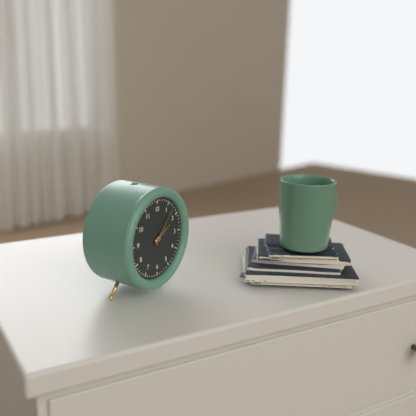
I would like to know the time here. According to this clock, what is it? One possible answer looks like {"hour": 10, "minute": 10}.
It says {"hour": 2, "minute": 7}
